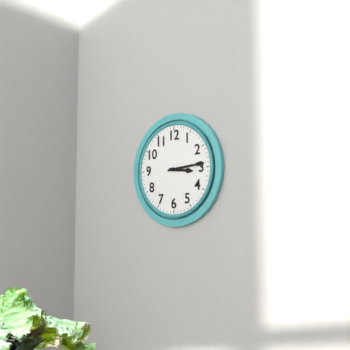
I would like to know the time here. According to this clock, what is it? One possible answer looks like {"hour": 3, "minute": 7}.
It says {"hour": 3, "minute": 14}
